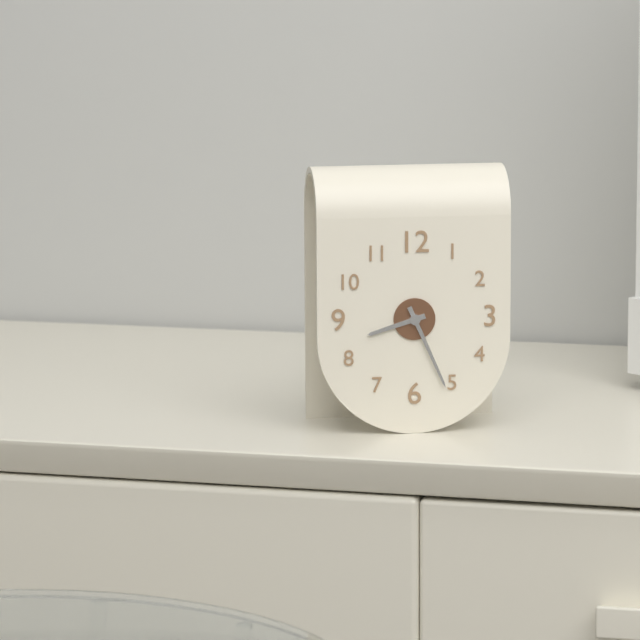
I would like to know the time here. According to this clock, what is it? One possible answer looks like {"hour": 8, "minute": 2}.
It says {"hour": 8, "minute": 26}
